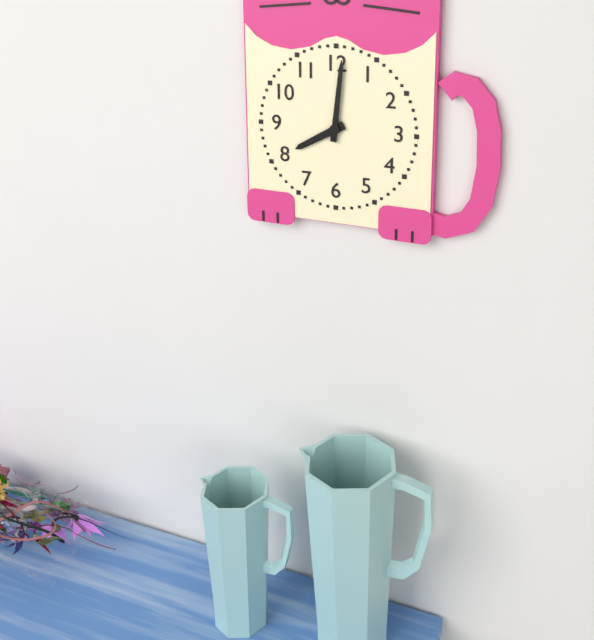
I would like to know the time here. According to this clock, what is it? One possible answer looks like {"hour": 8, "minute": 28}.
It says {"hour": 8, "minute": 1}
